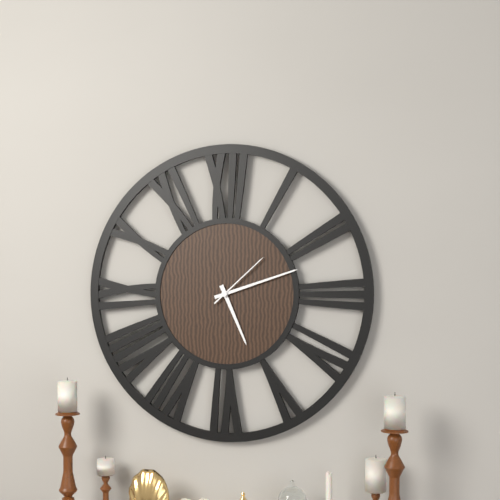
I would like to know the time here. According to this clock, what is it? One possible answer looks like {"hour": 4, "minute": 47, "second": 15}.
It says {"hour": 5, "minute": 12, "second": 8}
